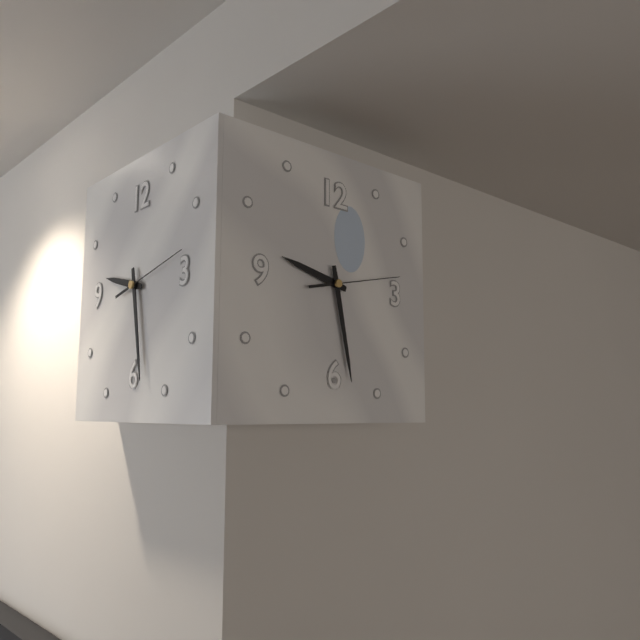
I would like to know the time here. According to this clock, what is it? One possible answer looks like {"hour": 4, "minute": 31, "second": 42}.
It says {"hour": 9, "minute": 28, "second": 13}
